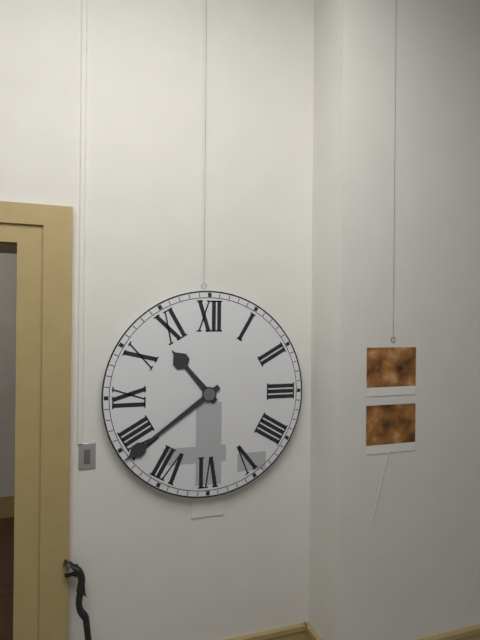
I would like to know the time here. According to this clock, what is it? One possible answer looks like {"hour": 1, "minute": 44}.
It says {"hour": 10, "minute": 39}
